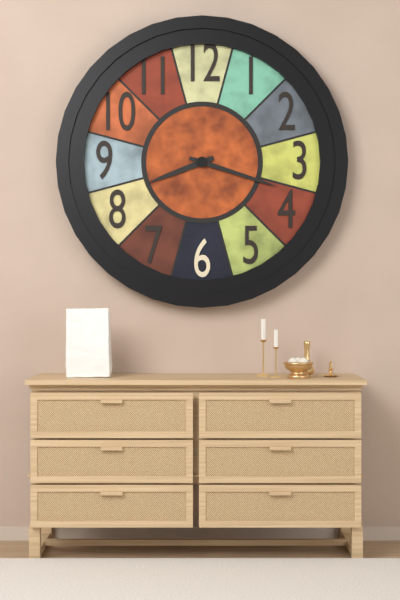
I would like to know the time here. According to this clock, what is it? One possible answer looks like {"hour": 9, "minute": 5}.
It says {"hour": 8, "minute": 18}
